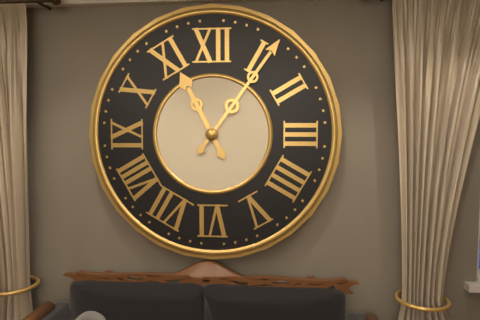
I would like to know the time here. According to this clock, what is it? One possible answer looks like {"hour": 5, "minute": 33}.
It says {"hour": 11, "minute": 6}
